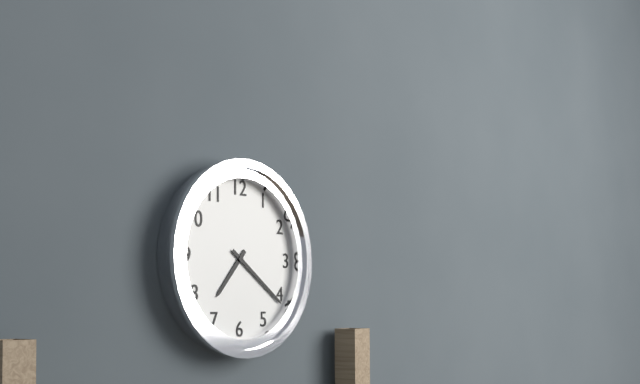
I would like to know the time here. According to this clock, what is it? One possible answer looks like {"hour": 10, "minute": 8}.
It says {"hour": 7, "minute": 21}
